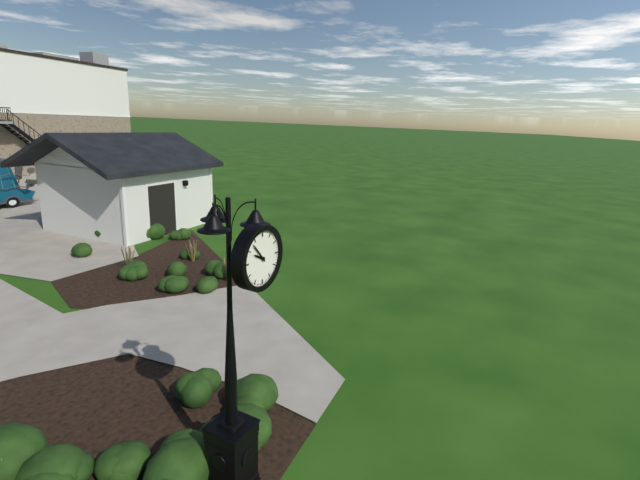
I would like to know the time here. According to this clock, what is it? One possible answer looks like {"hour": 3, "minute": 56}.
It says {"hour": 9, "minute": 53}
